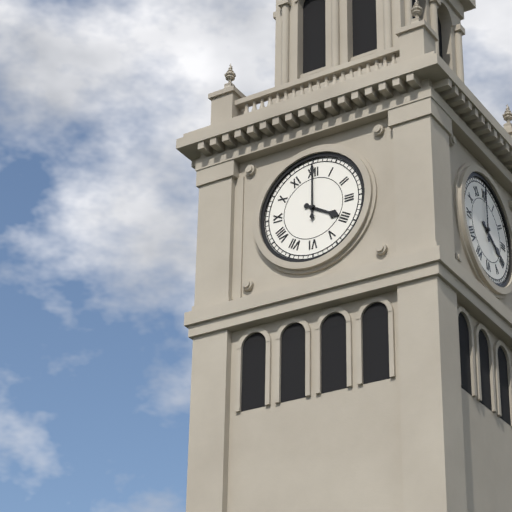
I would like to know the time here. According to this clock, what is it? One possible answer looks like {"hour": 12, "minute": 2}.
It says {"hour": 4, "minute": 0}
